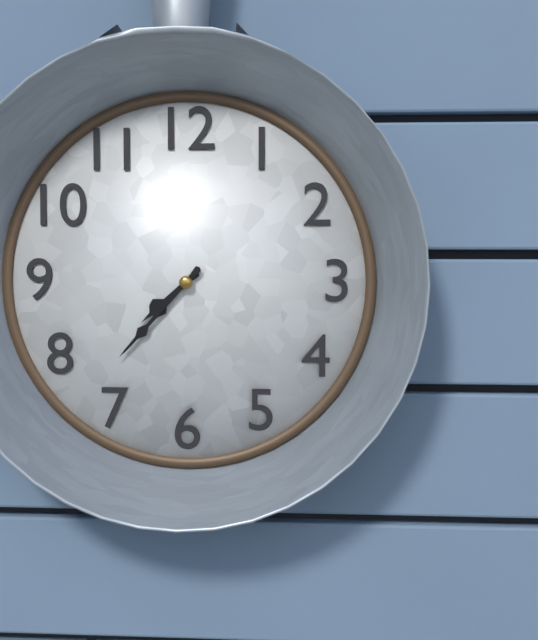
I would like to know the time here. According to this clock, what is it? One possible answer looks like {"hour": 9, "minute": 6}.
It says {"hour": 7, "minute": 37}
